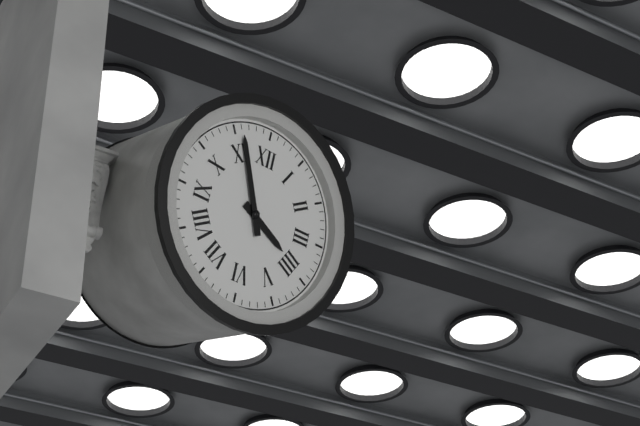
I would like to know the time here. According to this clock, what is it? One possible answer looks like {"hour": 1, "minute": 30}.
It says {"hour": 3, "minute": 56}
